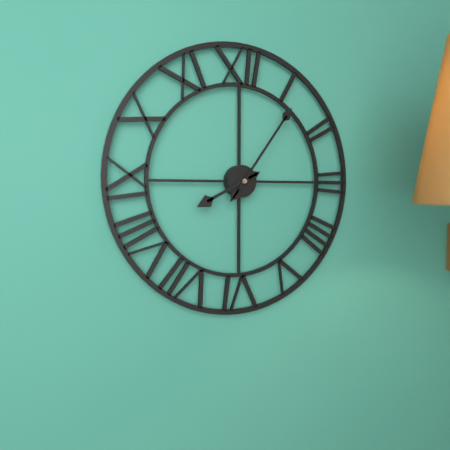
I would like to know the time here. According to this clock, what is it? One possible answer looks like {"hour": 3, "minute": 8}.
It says {"hour": 8, "minute": 6}
